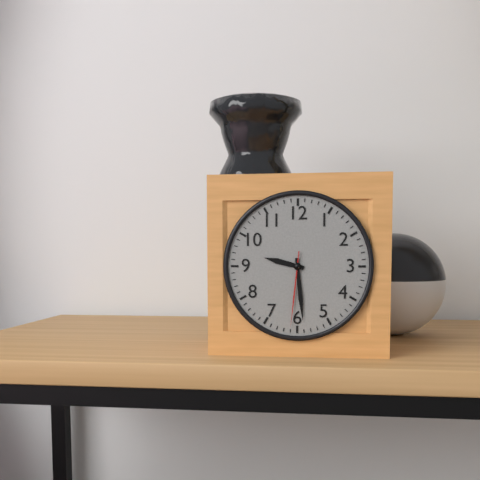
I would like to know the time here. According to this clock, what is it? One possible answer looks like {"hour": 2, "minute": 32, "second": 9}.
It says {"hour": 9, "minute": 29, "second": 31}
